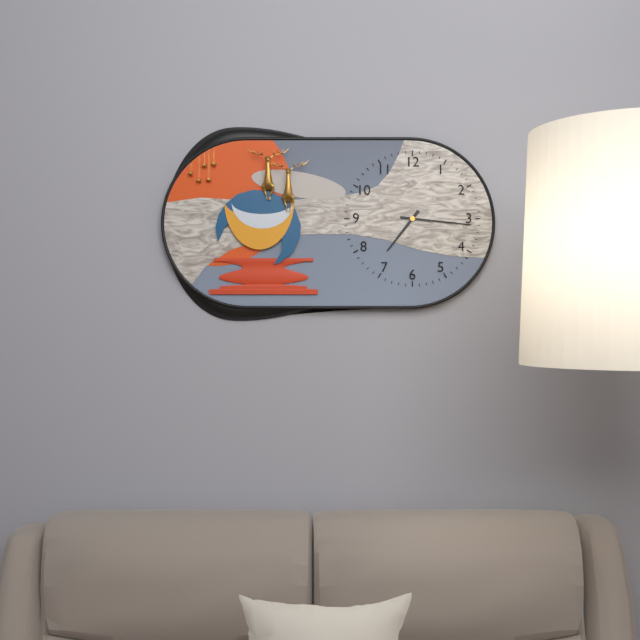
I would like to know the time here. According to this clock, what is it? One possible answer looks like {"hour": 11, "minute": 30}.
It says {"hour": 7, "minute": 16}
